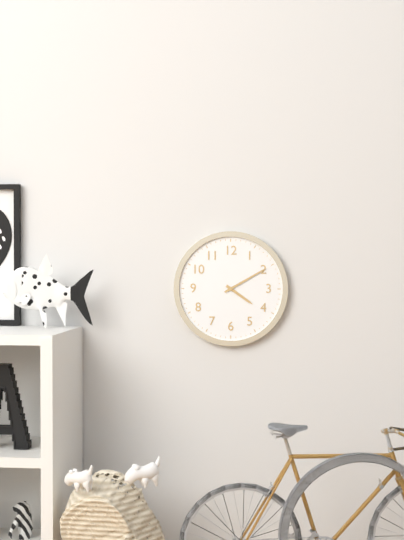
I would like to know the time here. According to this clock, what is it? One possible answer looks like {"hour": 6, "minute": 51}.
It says {"hour": 4, "minute": 10}
